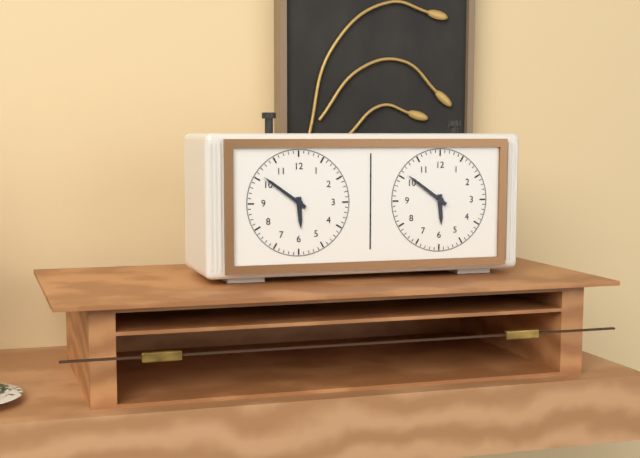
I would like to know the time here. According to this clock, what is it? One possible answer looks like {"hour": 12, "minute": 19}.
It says {"hour": 5, "minute": 51}
